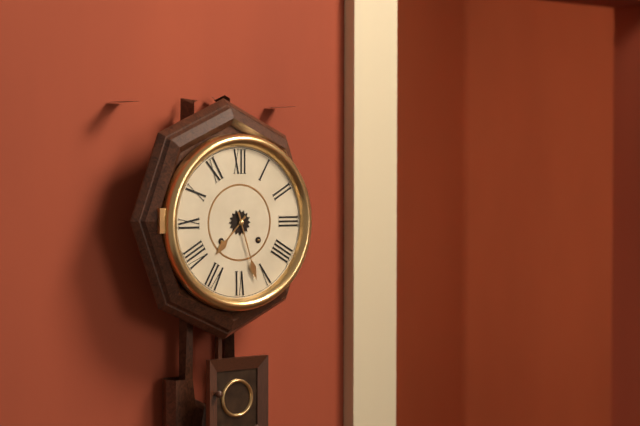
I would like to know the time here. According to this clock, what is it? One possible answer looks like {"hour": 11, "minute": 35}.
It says {"hour": 7, "minute": 27}
